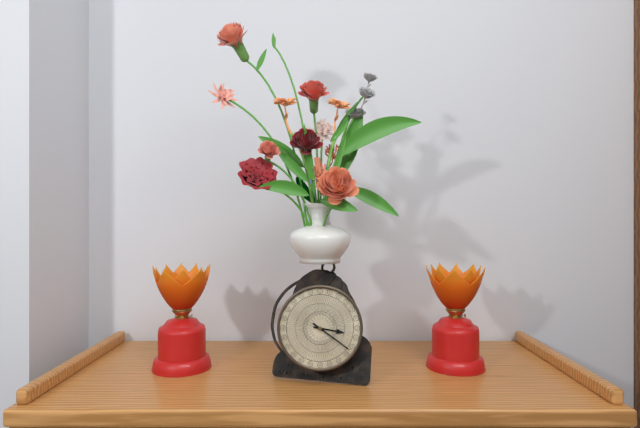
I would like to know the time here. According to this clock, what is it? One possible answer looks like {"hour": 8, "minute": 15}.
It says {"hour": 3, "minute": 21}
